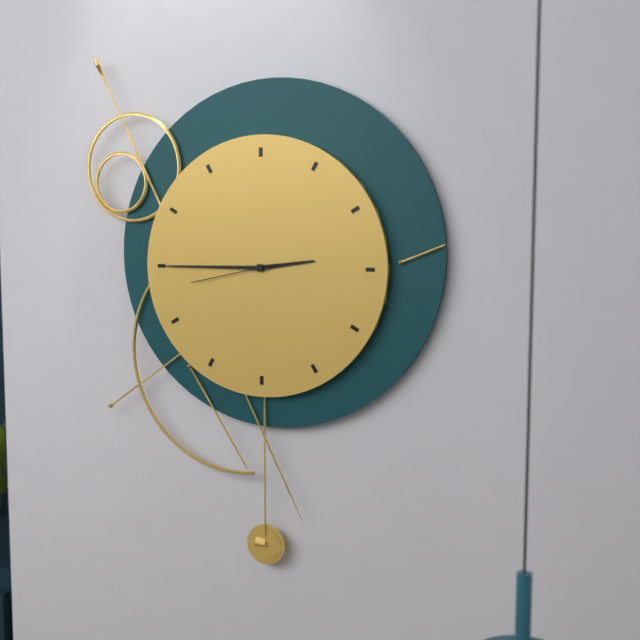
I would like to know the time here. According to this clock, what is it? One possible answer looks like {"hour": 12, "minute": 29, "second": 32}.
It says {"hour": 2, "minute": 45, "second": 43}
